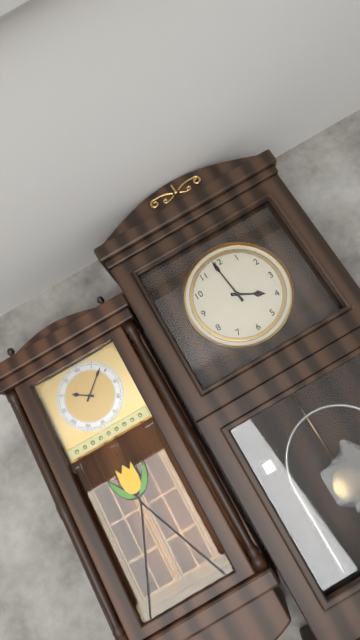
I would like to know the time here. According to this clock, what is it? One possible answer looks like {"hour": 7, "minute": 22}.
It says {"hour": 3, "minute": 59}
